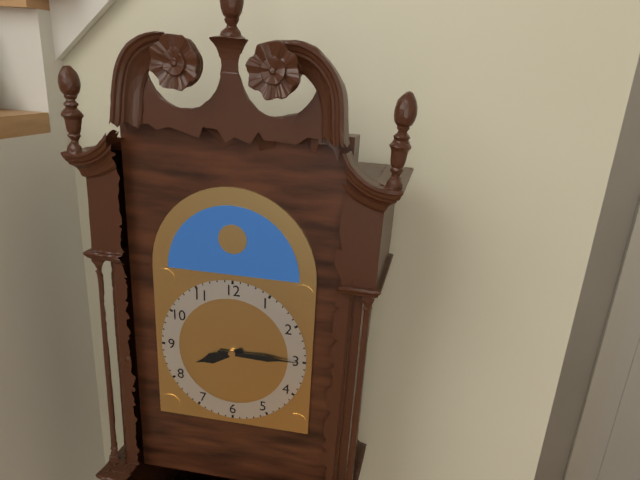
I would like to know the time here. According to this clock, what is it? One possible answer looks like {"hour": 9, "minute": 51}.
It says {"hour": 8, "minute": 15}
